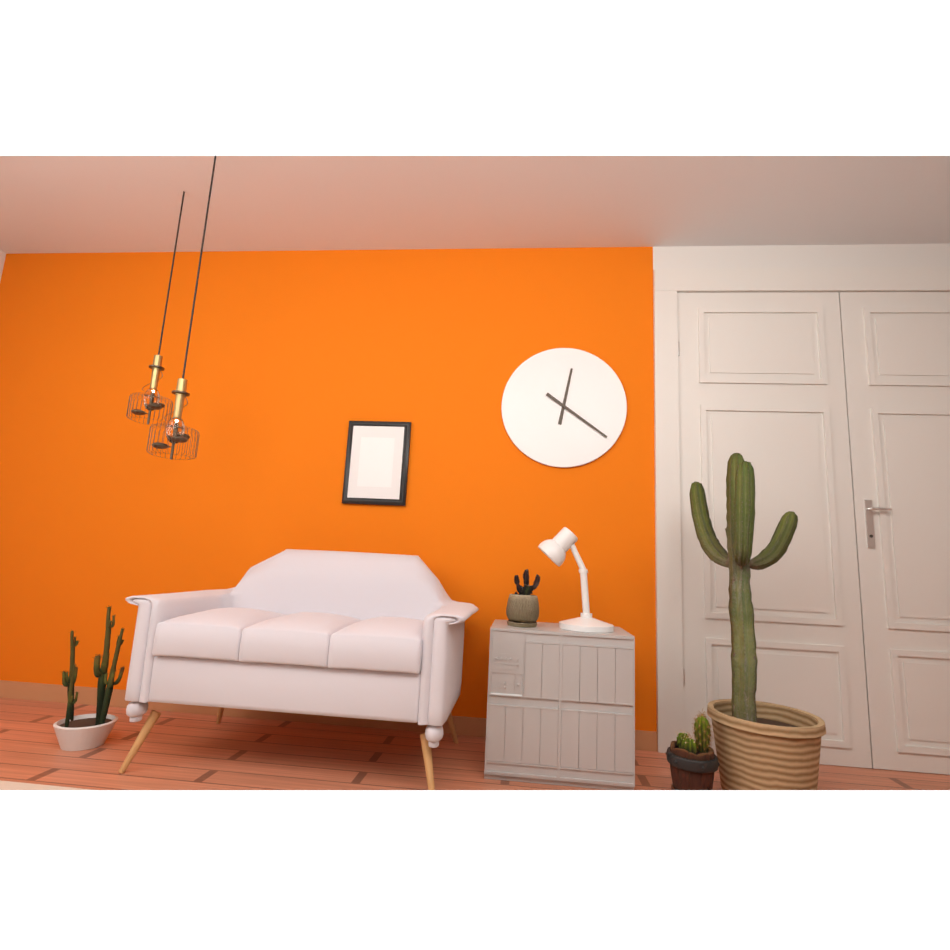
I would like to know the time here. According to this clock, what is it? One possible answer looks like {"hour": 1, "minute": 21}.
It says {"hour": 12, "minute": 21}
